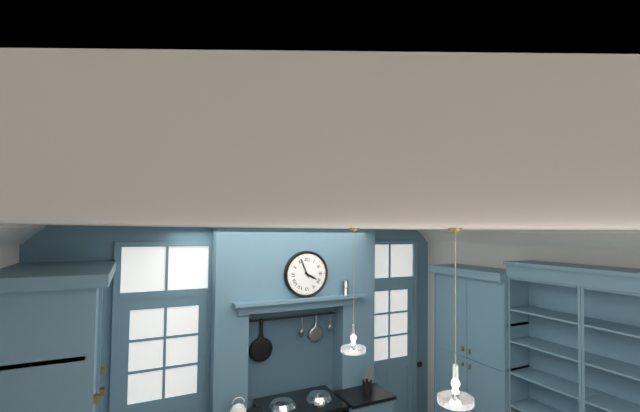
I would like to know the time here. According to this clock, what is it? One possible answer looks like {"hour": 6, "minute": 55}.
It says {"hour": 3, "minute": 56}
